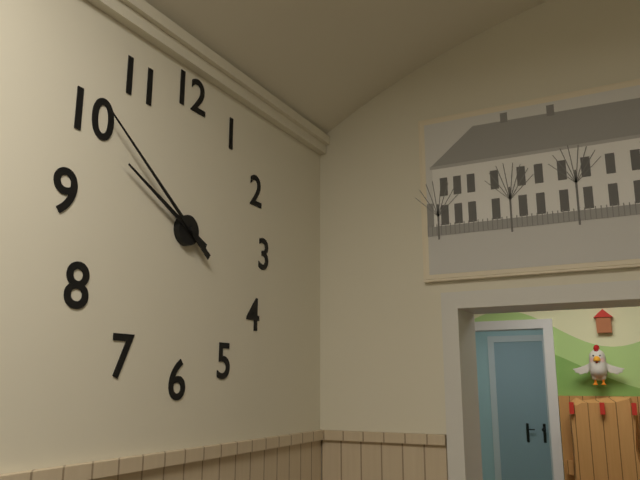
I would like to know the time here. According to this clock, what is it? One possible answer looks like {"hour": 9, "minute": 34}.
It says {"hour": 9, "minute": 51}
